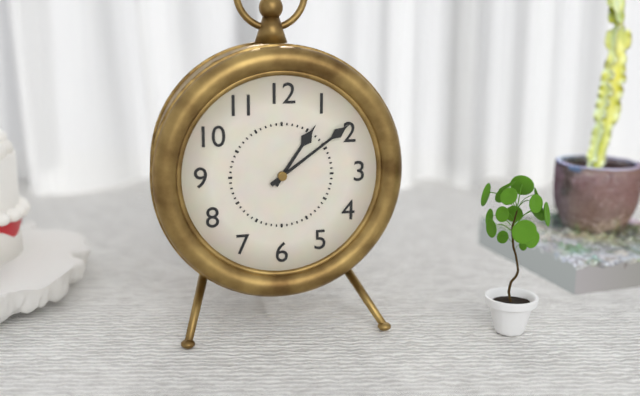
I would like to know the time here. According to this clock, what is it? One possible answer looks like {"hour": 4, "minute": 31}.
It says {"hour": 1, "minute": 9}
